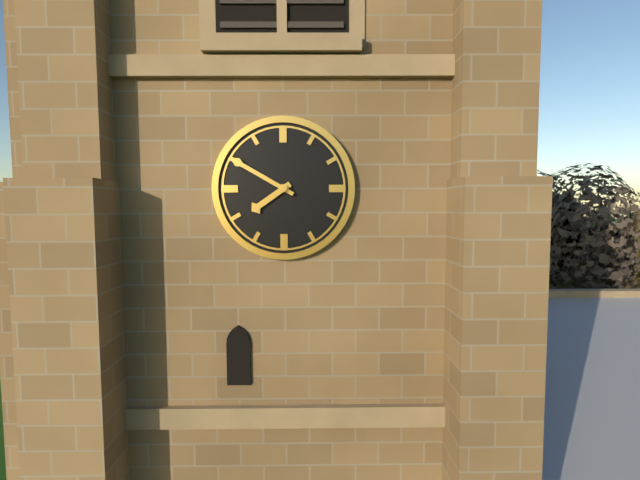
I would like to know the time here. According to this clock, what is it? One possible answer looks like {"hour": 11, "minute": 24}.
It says {"hour": 7, "minute": 50}
